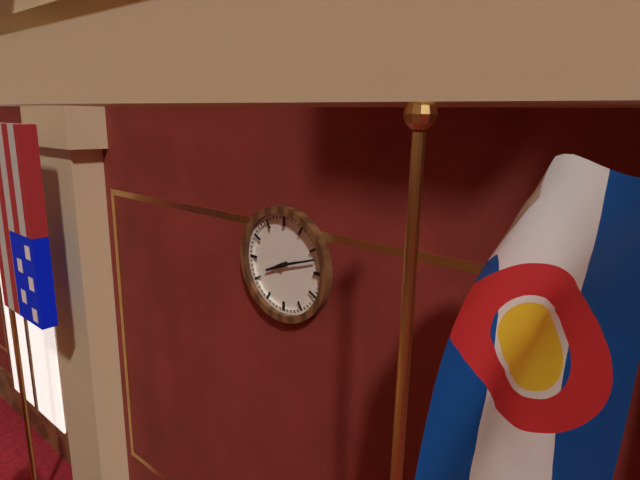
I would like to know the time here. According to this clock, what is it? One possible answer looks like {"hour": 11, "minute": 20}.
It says {"hour": 8, "minute": 12}
